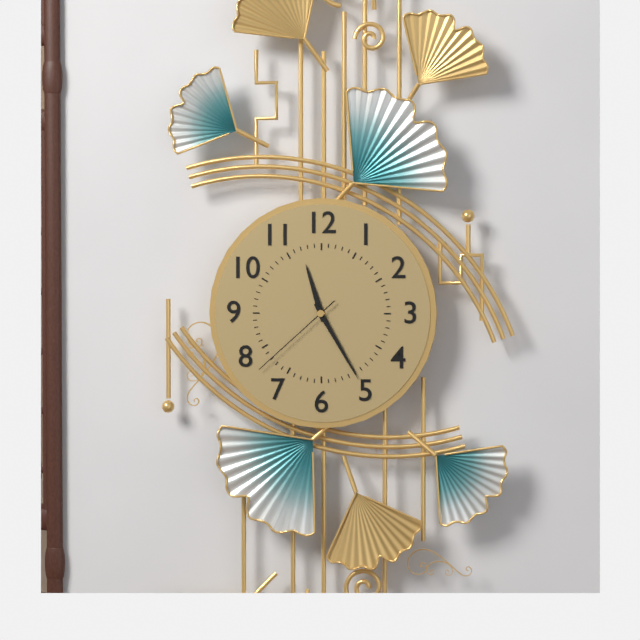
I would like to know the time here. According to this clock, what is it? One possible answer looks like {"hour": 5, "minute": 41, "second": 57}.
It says {"hour": 11, "minute": 25, "second": 38}
